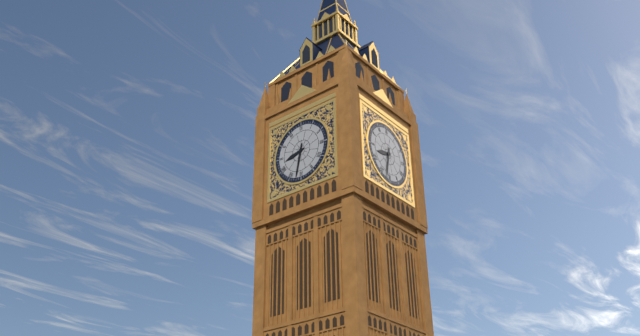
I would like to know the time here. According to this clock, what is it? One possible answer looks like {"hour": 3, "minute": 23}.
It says {"hour": 8, "minute": 32}
